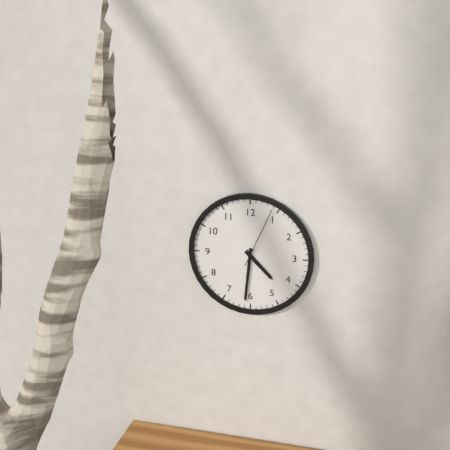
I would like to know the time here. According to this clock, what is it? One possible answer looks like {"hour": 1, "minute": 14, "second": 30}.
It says {"hour": 4, "minute": 31, "second": 4}
